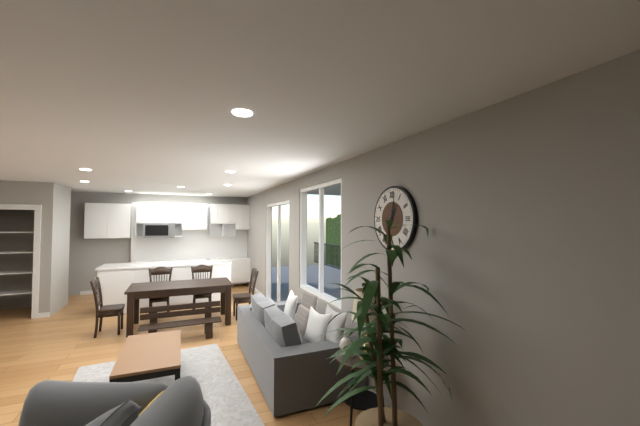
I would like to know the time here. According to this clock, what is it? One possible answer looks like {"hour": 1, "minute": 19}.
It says {"hour": 1, "minute": 2}
